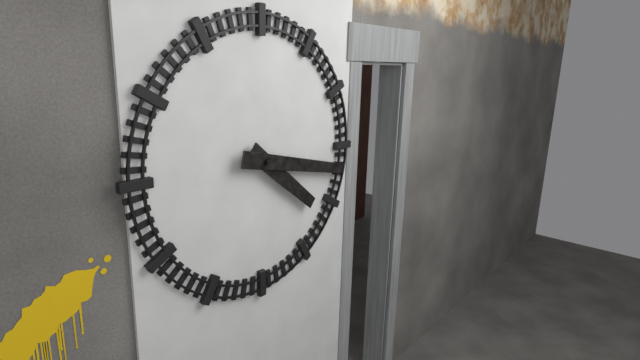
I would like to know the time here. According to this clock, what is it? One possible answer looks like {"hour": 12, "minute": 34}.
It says {"hour": 4, "minute": 17}
